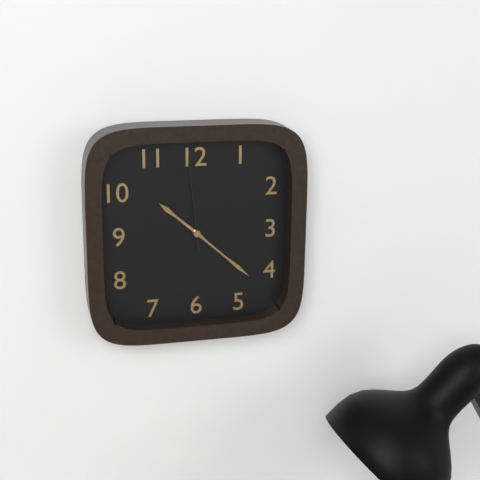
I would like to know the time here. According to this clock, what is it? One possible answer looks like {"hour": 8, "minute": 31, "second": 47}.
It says {"hour": 10, "minute": 22, "second": 59}
